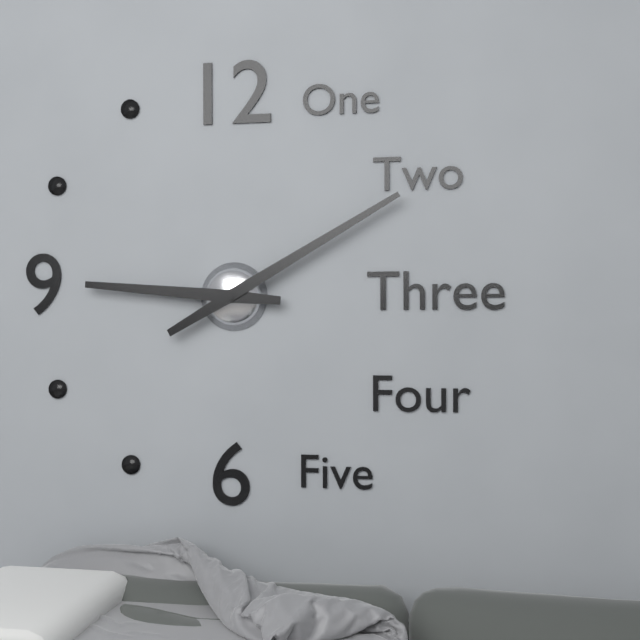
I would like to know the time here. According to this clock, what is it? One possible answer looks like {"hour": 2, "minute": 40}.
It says {"hour": 9, "minute": 10}
